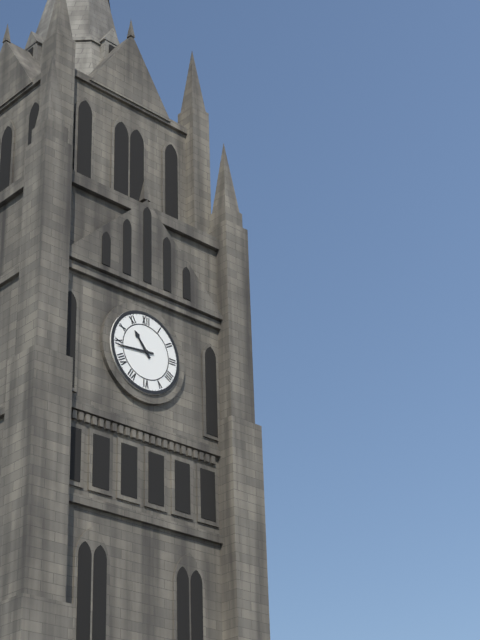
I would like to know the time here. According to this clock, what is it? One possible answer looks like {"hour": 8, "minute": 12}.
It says {"hour": 10, "minute": 44}
